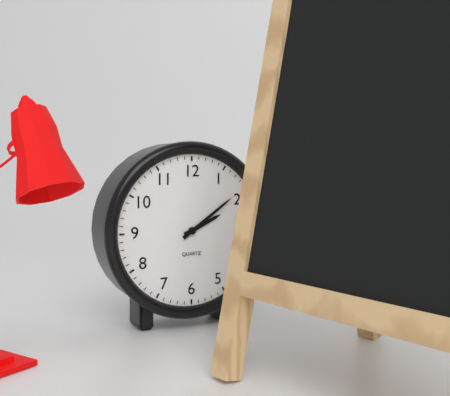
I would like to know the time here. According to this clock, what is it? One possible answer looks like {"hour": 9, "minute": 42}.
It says {"hour": 2, "minute": 9}
